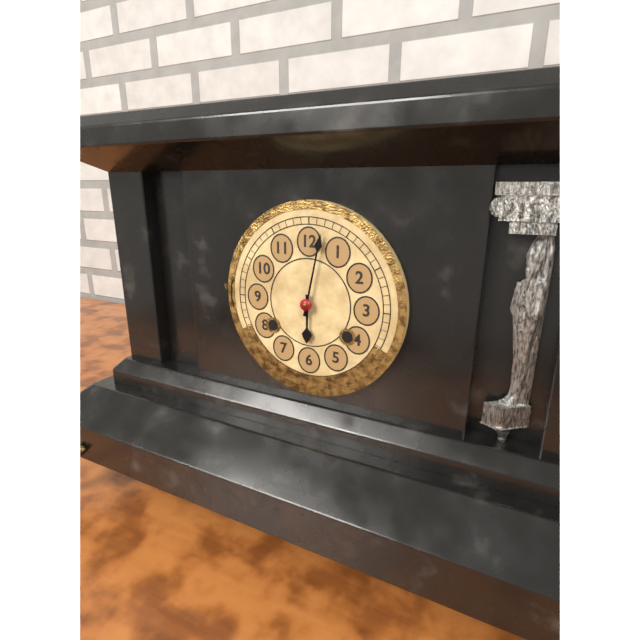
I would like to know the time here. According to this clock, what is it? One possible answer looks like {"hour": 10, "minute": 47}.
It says {"hour": 6, "minute": 2}
